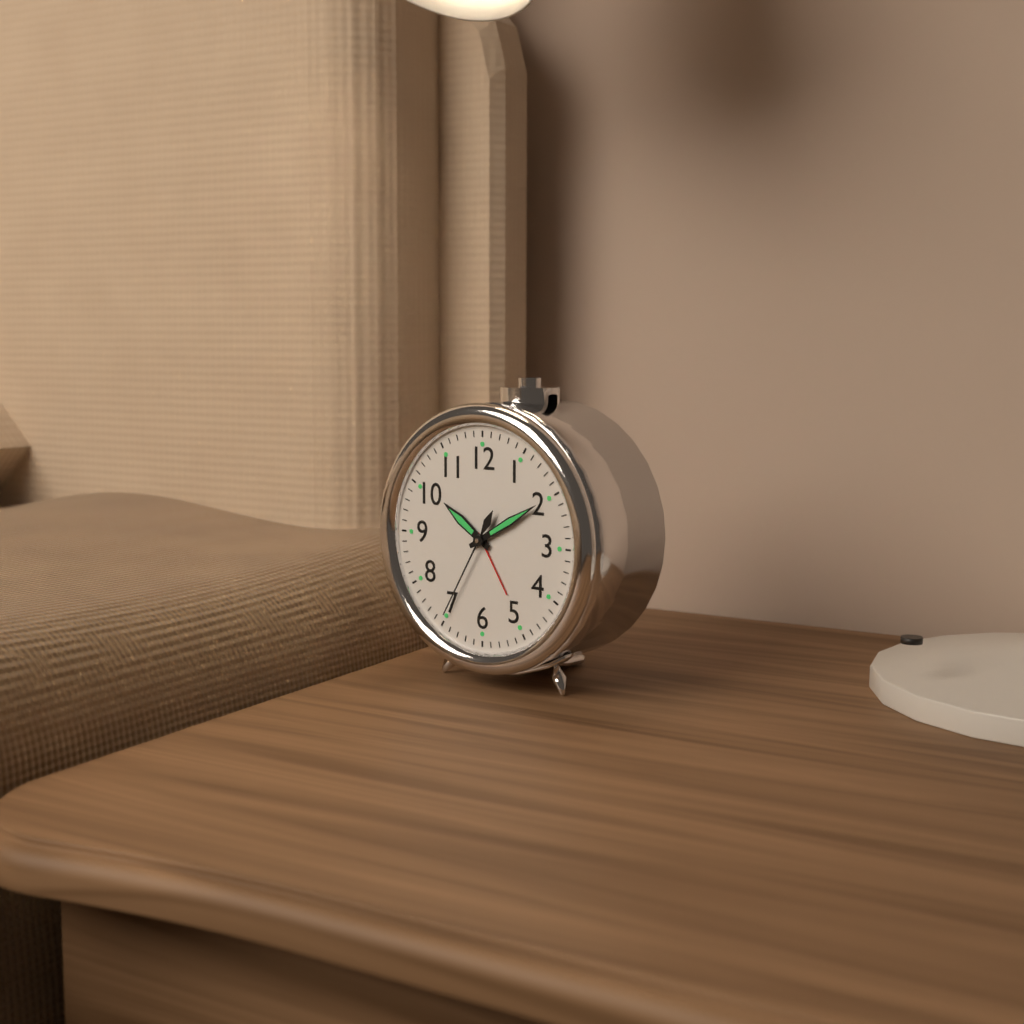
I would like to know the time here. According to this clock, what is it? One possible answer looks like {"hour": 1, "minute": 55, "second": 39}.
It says {"hour": 10, "minute": 10, "second": 35}
